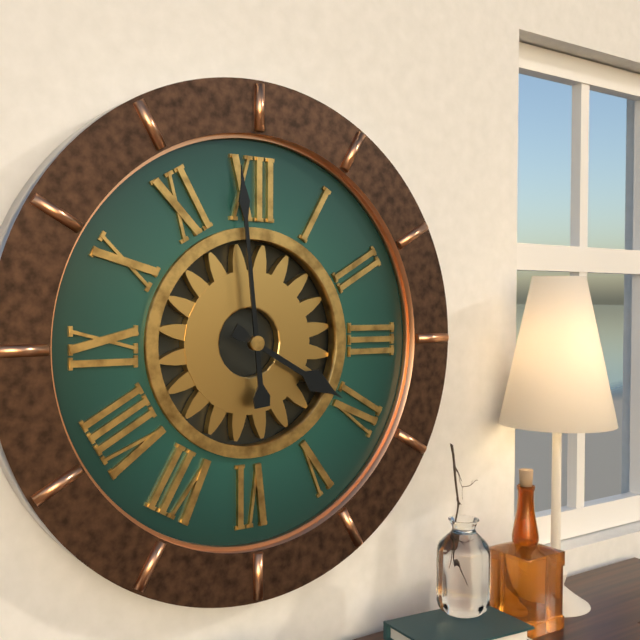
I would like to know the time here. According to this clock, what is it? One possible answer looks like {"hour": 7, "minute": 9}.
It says {"hour": 3, "minute": 59}
